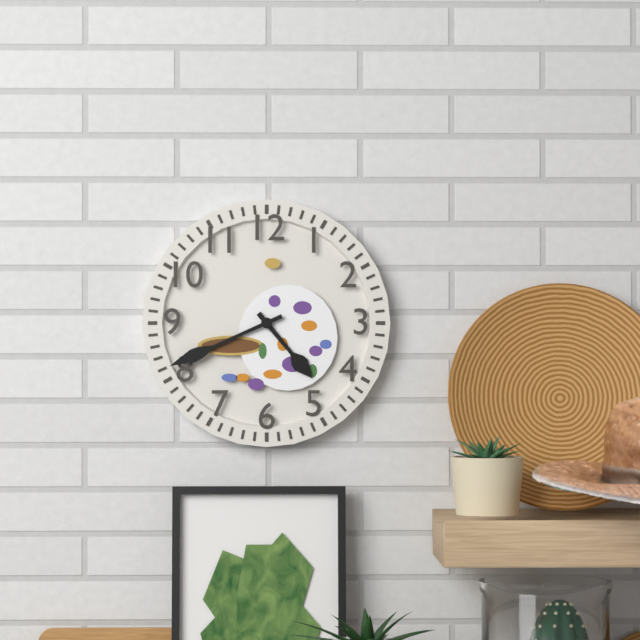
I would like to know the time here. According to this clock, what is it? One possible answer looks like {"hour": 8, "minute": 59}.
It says {"hour": 4, "minute": 41}
